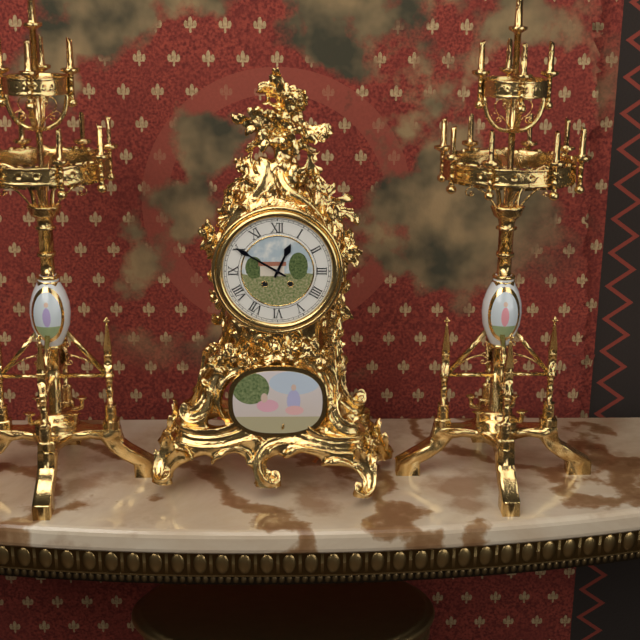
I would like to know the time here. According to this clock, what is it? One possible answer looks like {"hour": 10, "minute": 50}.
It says {"hour": 12, "minute": 50}
